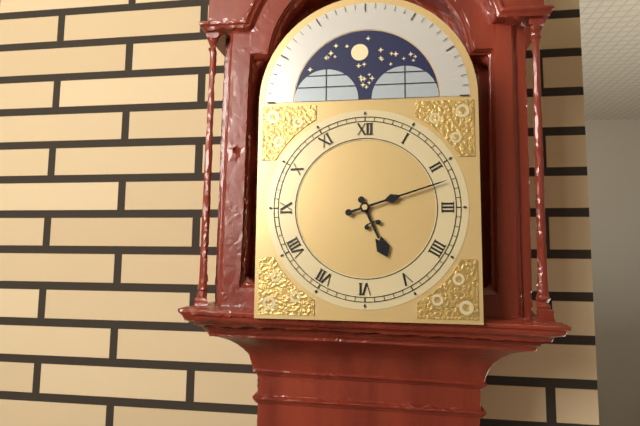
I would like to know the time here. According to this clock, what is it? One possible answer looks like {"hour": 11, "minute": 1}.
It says {"hour": 5, "minute": 12}
